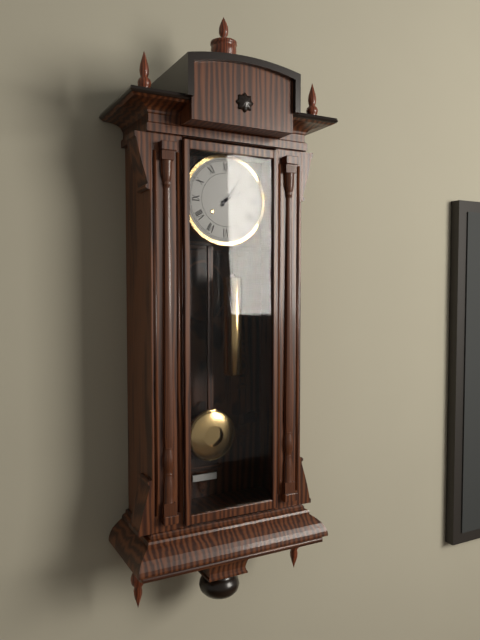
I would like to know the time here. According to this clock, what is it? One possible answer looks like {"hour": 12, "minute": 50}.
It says {"hour": 2, "minute": 6}
